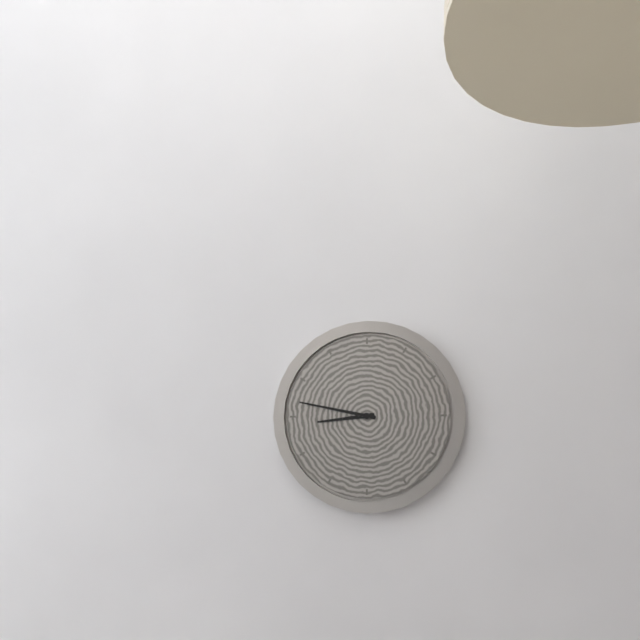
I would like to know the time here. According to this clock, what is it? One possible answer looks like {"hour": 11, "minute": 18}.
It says {"hour": 8, "minute": 47}
